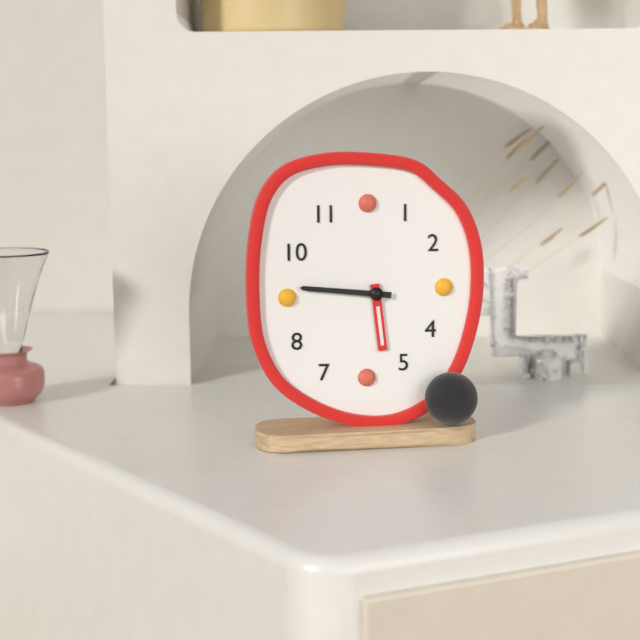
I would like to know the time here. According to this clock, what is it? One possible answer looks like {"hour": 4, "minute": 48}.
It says {"hour": 5, "minute": 46}
